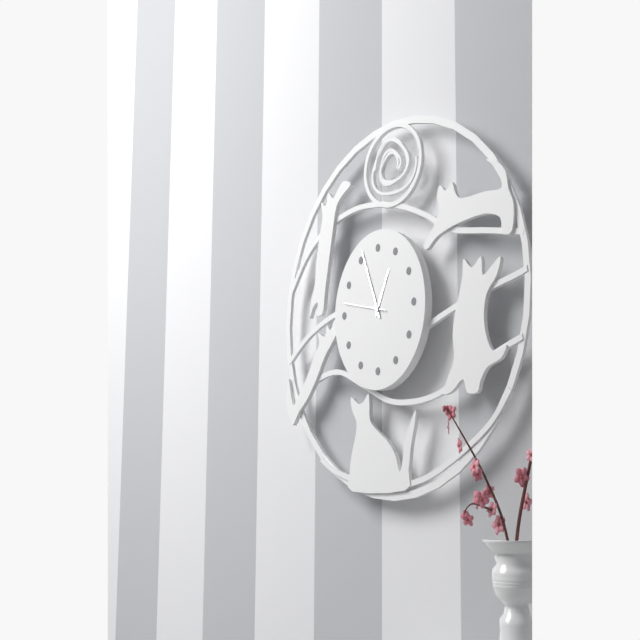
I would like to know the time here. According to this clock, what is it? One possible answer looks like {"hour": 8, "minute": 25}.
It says {"hour": 12, "minute": 56}
